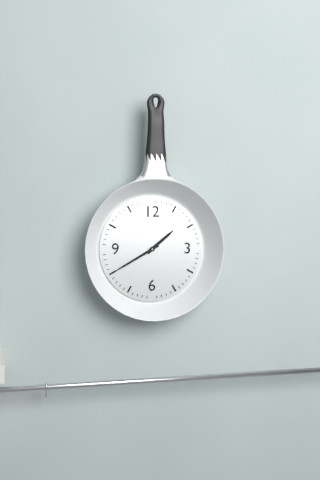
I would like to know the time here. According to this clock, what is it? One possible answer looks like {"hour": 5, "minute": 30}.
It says {"hour": 1, "minute": 40}
